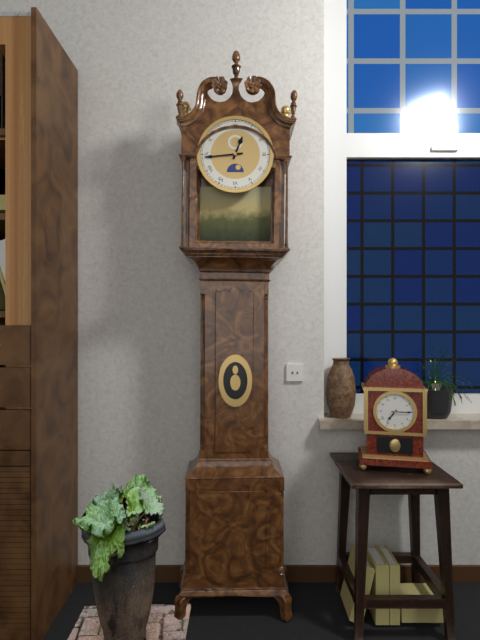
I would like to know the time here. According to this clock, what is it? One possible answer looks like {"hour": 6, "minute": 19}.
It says {"hour": 12, "minute": 44}
